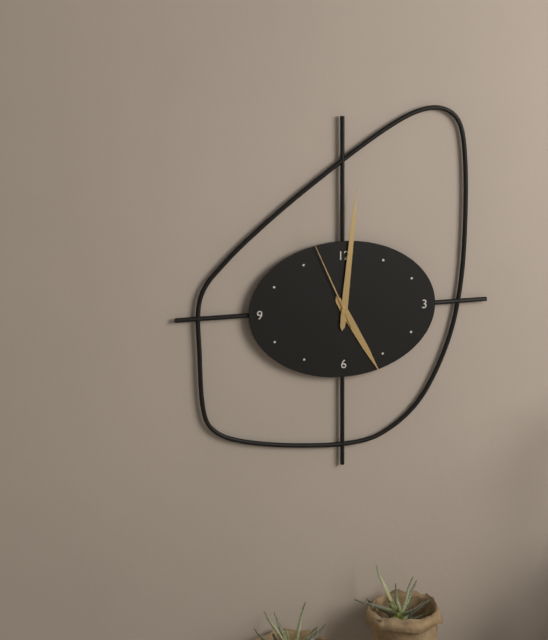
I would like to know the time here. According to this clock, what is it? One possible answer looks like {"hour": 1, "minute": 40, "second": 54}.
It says {"hour": 5, "minute": 1, "second": 56}
